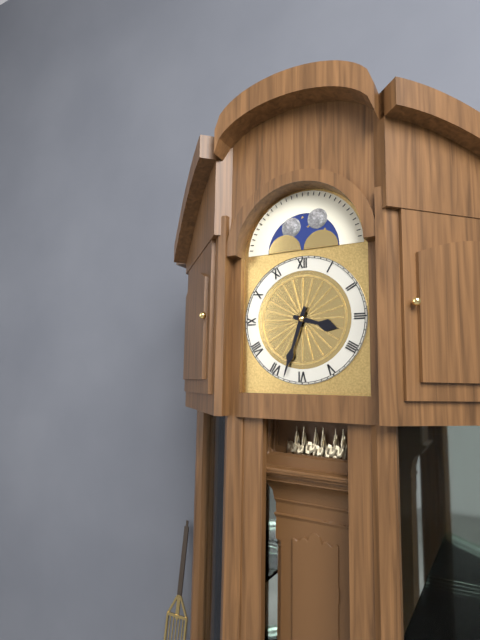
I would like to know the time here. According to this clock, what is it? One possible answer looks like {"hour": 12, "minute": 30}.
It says {"hour": 3, "minute": 33}
